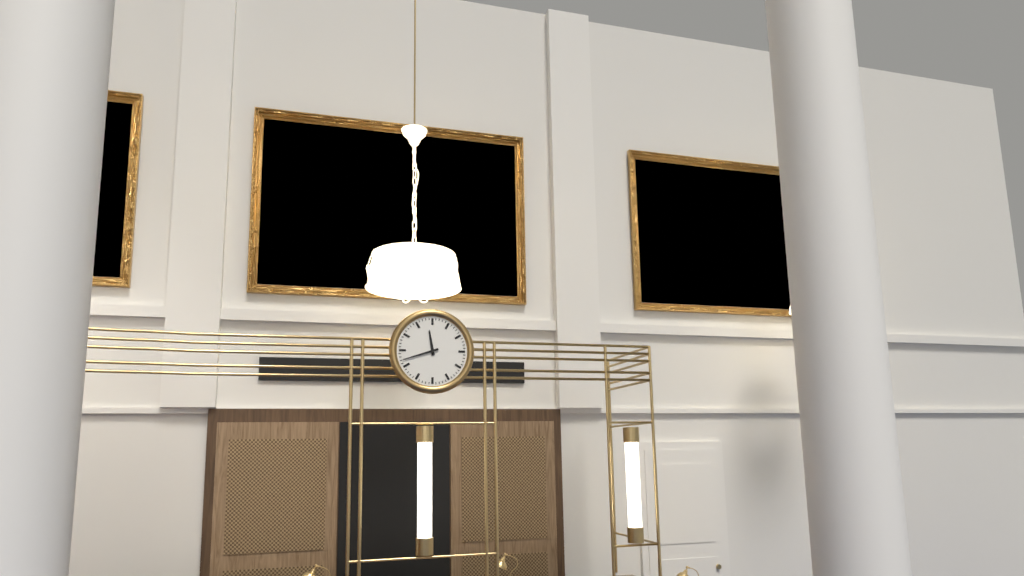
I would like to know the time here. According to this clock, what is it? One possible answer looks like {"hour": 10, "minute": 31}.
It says {"hour": 11, "minute": 42}
